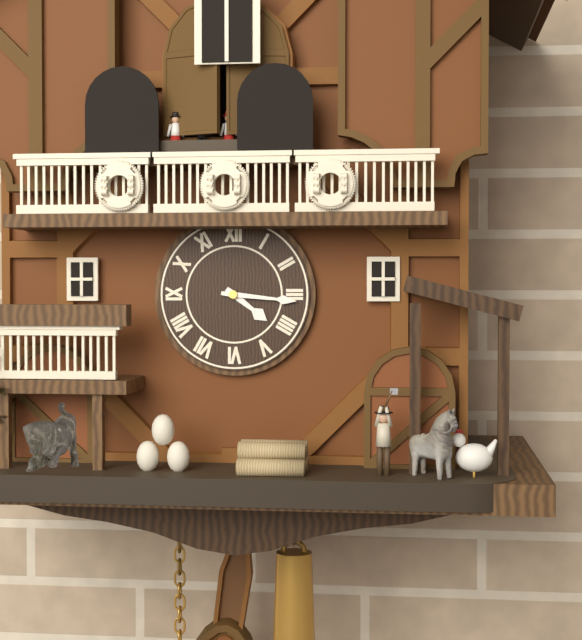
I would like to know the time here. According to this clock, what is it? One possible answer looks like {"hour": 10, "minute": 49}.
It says {"hour": 4, "minute": 16}
